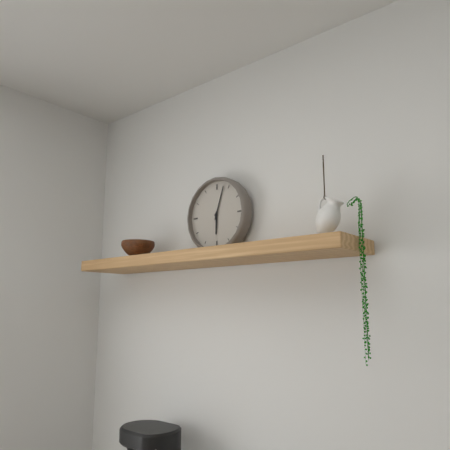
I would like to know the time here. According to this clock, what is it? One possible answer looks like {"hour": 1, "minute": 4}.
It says {"hour": 6, "minute": 3}
